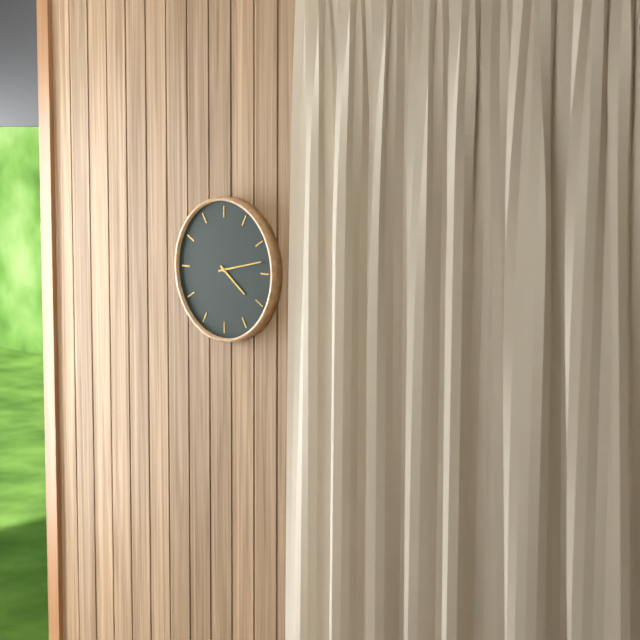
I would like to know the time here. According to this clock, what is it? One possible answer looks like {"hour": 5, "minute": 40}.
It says {"hour": 4, "minute": 13}
